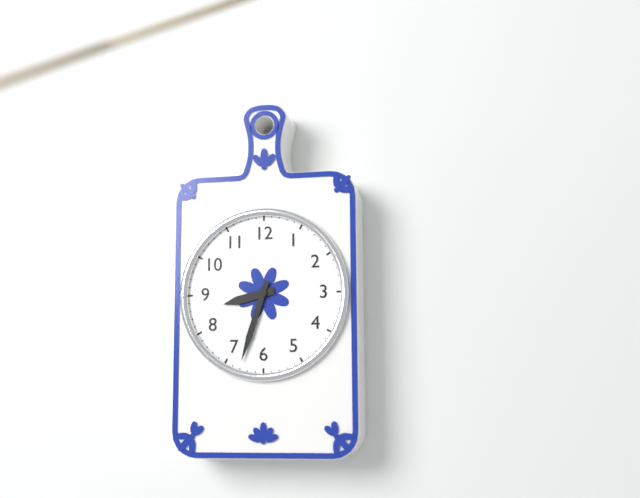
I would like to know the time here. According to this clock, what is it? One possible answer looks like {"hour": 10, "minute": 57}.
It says {"hour": 8, "minute": 33}
